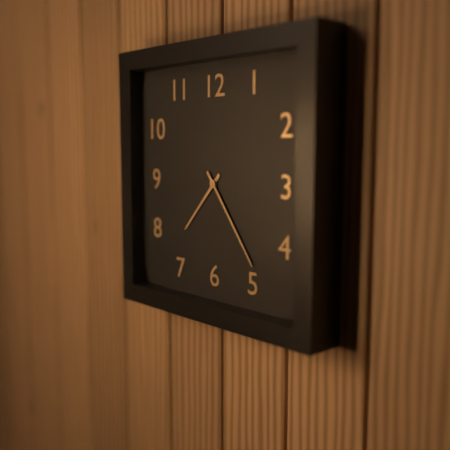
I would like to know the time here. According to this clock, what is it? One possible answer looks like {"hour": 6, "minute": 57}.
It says {"hour": 7, "minute": 24}
